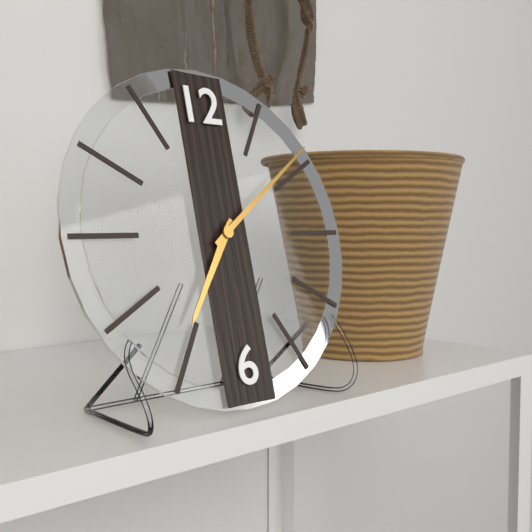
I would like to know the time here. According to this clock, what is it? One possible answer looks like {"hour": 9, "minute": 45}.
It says {"hour": 7, "minute": 9}
